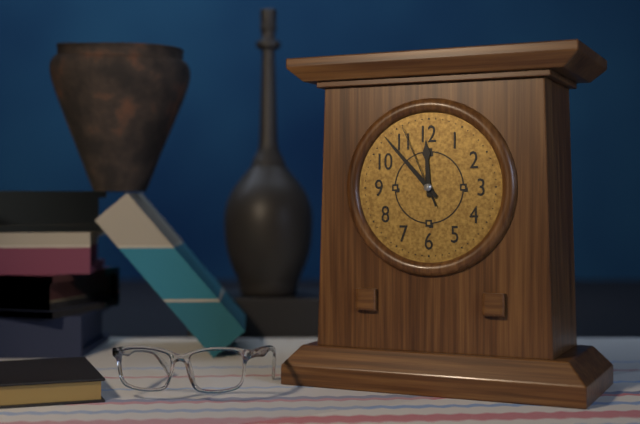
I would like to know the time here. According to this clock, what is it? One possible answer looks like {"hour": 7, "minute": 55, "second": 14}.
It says {"hour": 11, "minute": 53, "second": 56}
